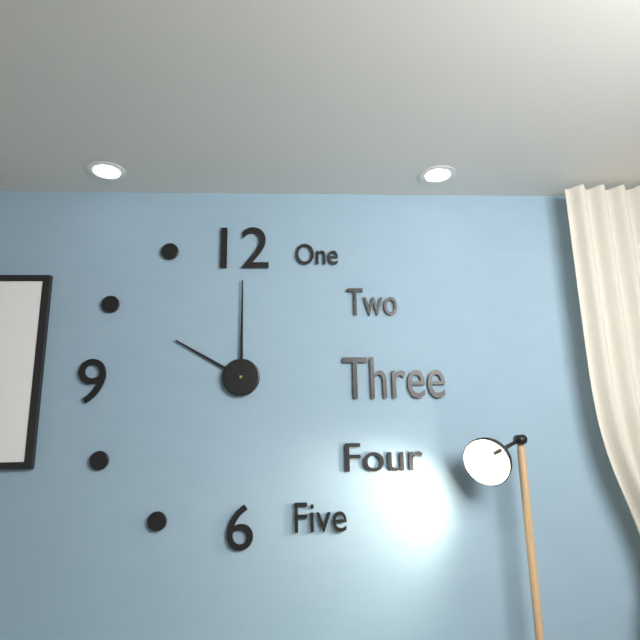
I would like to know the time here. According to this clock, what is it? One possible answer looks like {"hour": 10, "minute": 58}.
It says {"hour": 10, "minute": 0}
